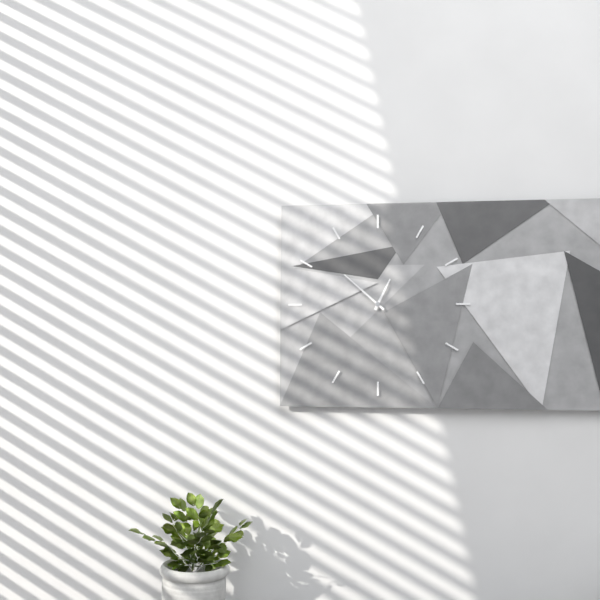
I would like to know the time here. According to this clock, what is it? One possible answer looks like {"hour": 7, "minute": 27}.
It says {"hour": 12, "minute": 52}
